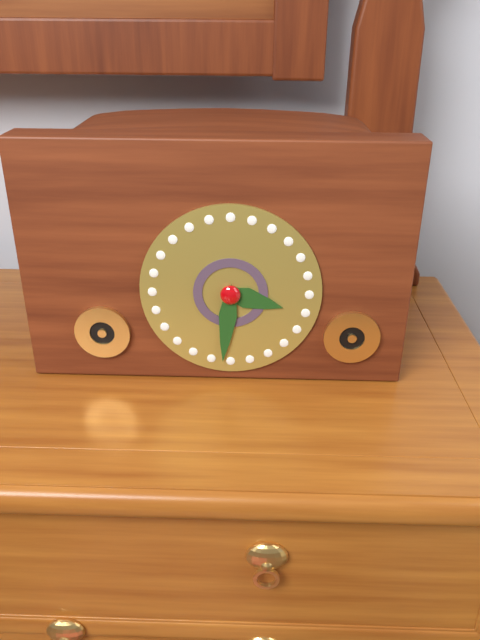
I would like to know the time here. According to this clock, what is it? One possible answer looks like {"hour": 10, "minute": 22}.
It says {"hour": 3, "minute": 31}
